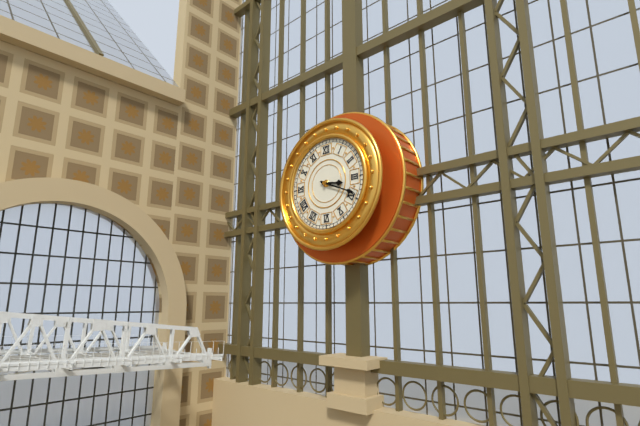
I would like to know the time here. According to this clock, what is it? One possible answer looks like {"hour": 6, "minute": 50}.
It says {"hour": 3, "minute": 19}
